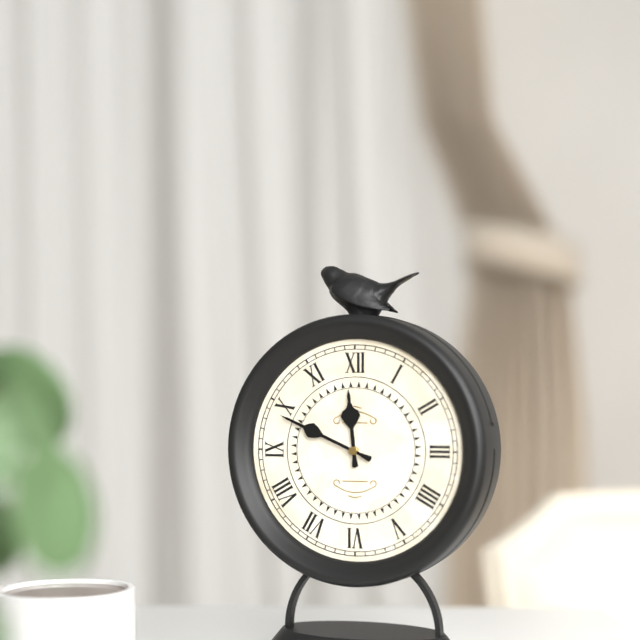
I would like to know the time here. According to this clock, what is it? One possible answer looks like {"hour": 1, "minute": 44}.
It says {"hour": 11, "minute": 49}
